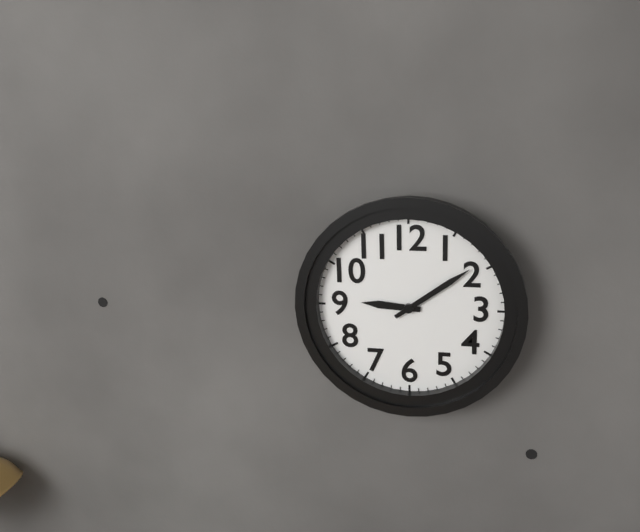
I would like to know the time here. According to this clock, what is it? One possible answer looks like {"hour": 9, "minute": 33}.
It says {"hour": 9, "minute": 9}
